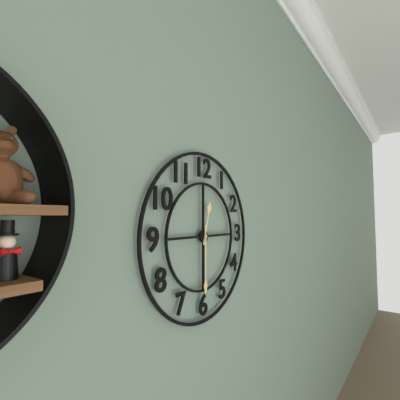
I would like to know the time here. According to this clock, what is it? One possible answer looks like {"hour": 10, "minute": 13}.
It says {"hour": 12, "minute": 30}
